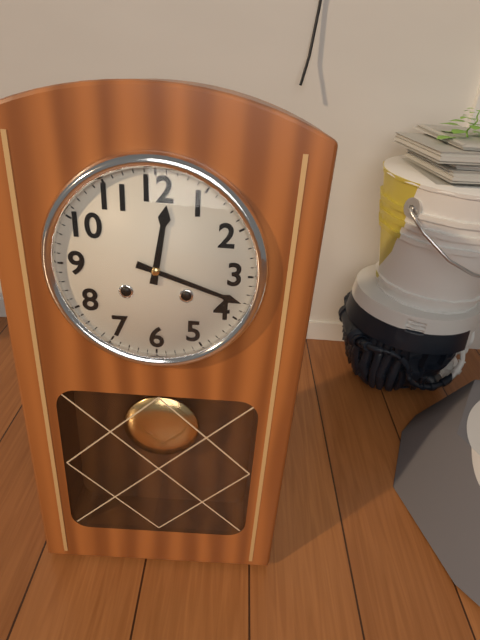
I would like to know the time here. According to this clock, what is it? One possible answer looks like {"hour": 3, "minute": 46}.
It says {"hour": 12, "minute": 18}
